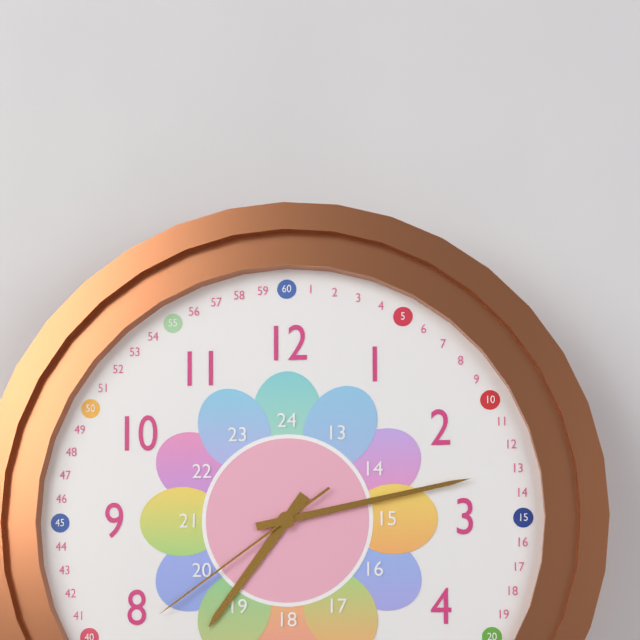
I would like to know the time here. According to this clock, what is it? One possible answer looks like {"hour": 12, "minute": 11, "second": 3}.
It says {"hour": 7, "minute": 13, "second": 39}
